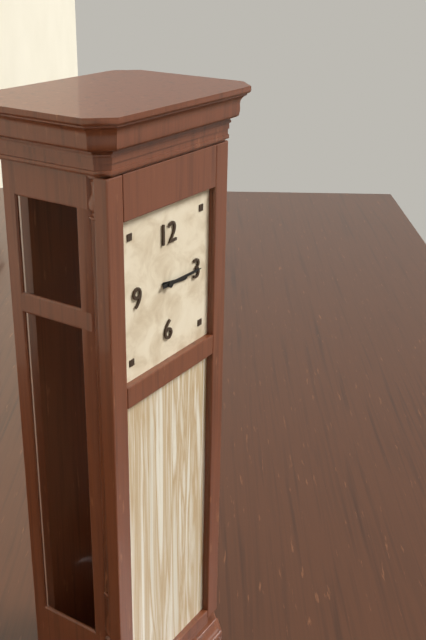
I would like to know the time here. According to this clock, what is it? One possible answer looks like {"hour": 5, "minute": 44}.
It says {"hour": 3, "minute": 15}
